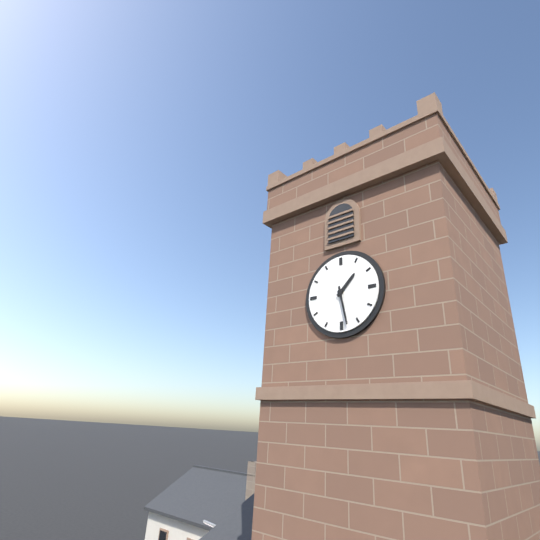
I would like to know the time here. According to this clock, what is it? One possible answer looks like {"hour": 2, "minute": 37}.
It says {"hour": 1, "minute": 28}
